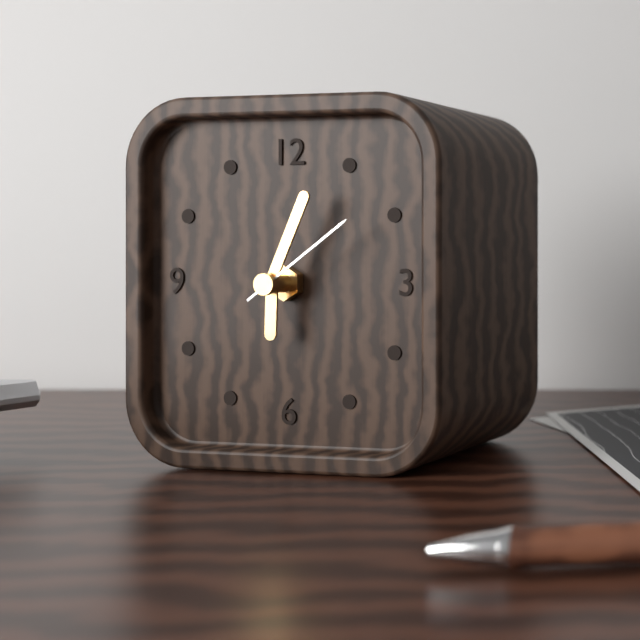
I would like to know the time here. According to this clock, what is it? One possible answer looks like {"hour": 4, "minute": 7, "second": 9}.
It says {"hour": 6, "minute": 4, "second": 9}
